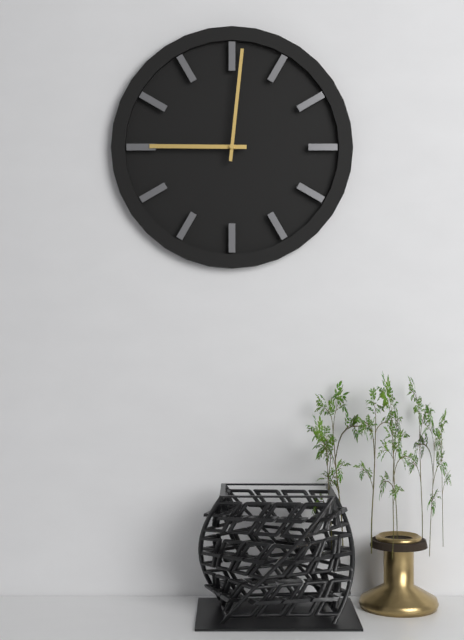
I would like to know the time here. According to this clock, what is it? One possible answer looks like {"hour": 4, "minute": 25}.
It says {"hour": 9, "minute": 1}
